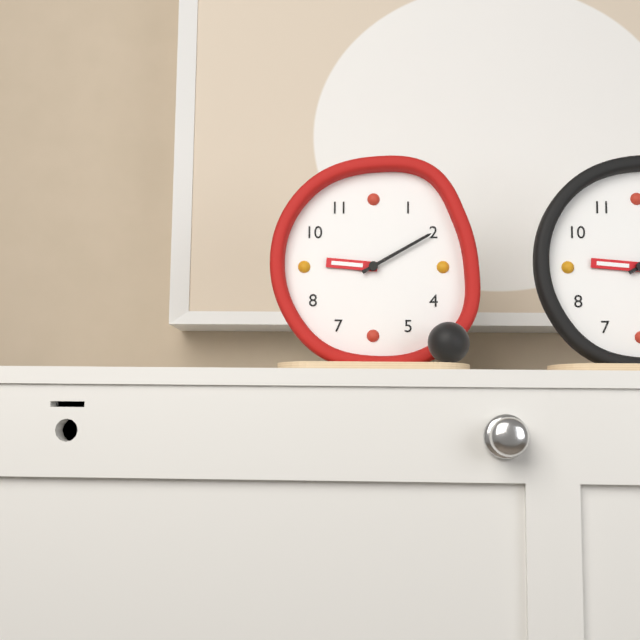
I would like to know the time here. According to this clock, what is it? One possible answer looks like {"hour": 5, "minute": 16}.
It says {"hour": 9, "minute": 10}
